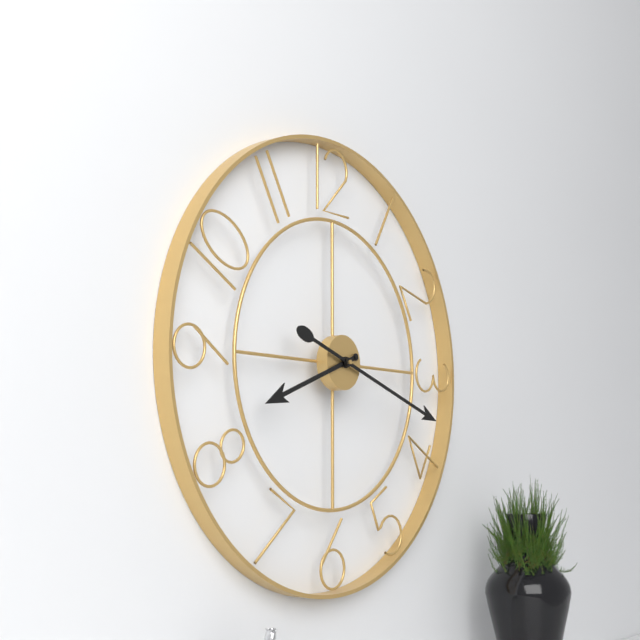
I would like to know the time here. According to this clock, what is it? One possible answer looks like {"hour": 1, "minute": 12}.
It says {"hour": 8, "minute": 18}
